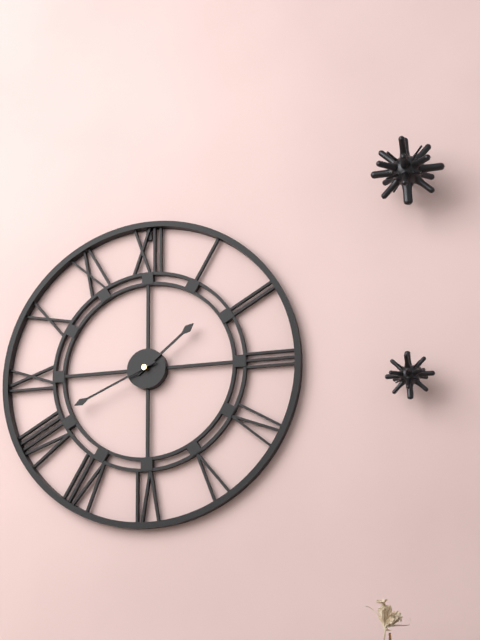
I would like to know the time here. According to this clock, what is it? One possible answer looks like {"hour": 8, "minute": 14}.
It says {"hour": 1, "minute": 41}
